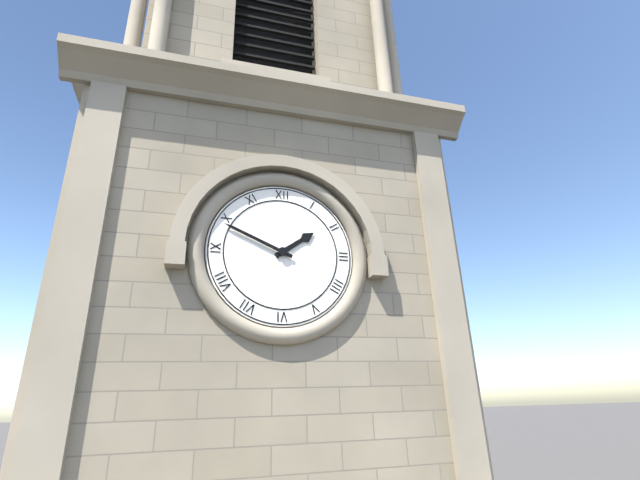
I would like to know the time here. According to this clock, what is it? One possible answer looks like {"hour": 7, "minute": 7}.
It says {"hour": 1, "minute": 49}
